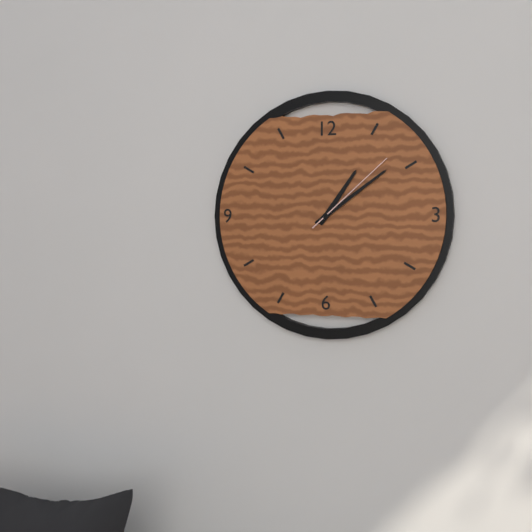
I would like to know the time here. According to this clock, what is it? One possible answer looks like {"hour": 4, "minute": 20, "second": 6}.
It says {"hour": 1, "minute": 9, "second": 8}
